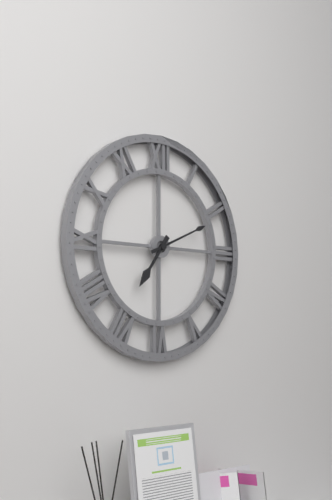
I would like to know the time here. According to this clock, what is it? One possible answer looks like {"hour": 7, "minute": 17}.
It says {"hour": 7, "minute": 11}
